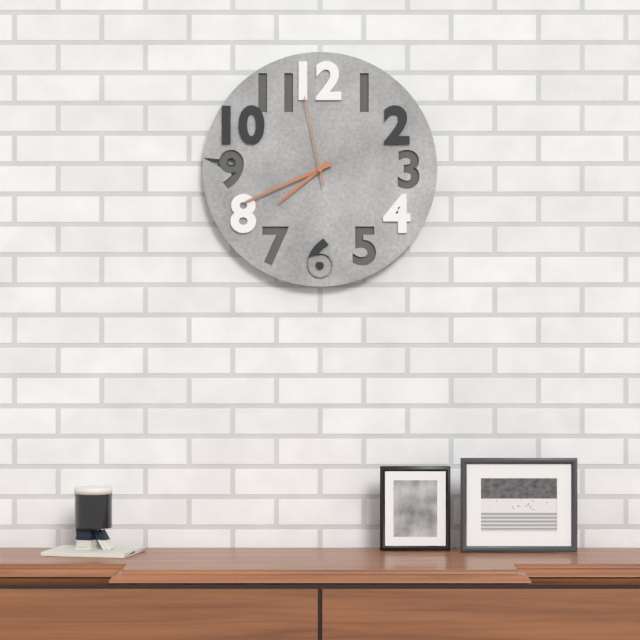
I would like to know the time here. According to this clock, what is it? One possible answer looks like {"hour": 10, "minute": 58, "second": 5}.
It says {"hour": 7, "minute": 41, "second": 58}
